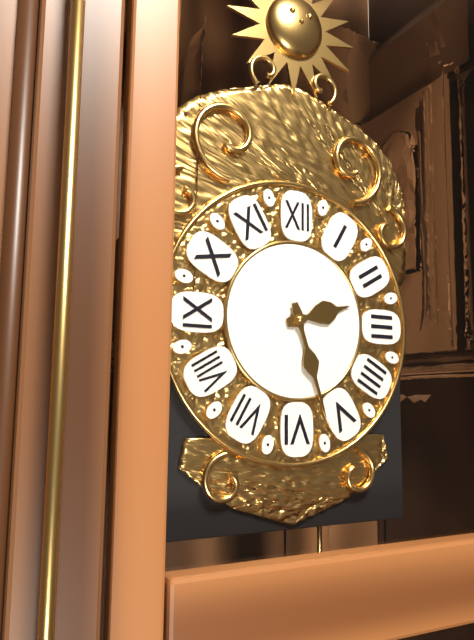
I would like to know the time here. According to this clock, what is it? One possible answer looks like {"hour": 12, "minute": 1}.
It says {"hour": 2, "minute": 27}
